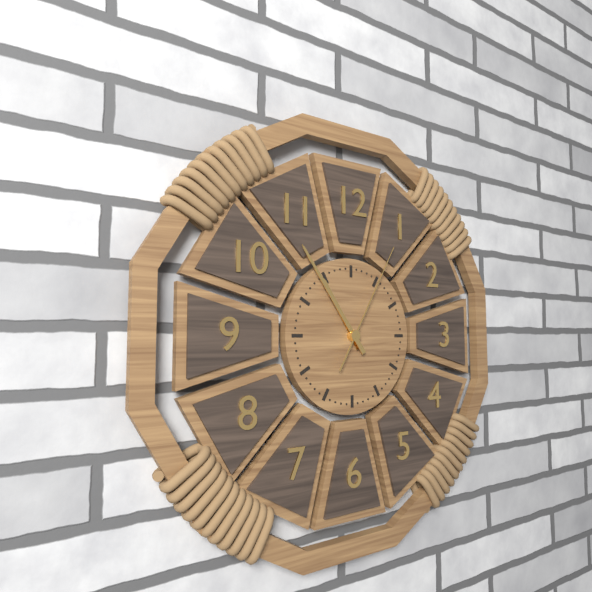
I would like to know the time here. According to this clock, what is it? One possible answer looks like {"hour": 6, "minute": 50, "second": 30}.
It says {"hour": 10, "minute": 54, "second": 5}
